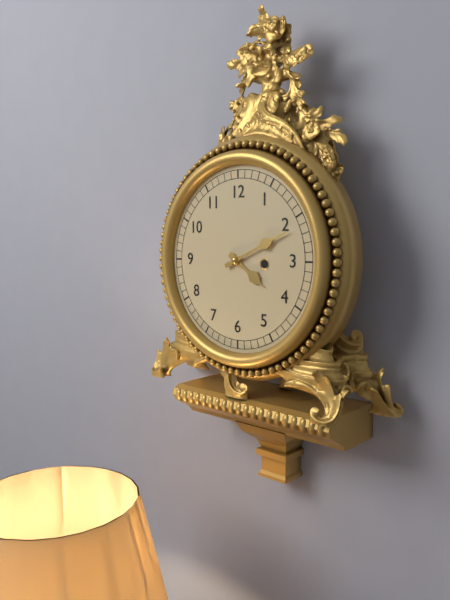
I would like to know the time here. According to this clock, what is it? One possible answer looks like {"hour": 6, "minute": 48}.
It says {"hour": 4, "minute": 11}
